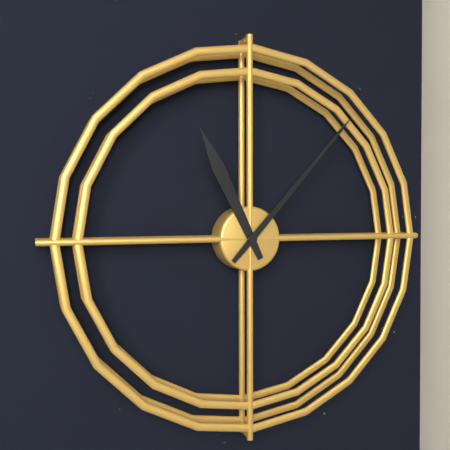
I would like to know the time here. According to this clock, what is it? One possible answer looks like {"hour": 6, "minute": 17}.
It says {"hour": 11, "minute": 7}
